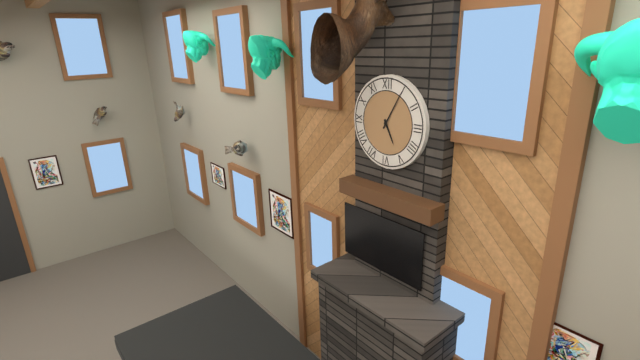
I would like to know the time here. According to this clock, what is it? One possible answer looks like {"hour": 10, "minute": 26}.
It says {"hour": 5, "minute": 5}
